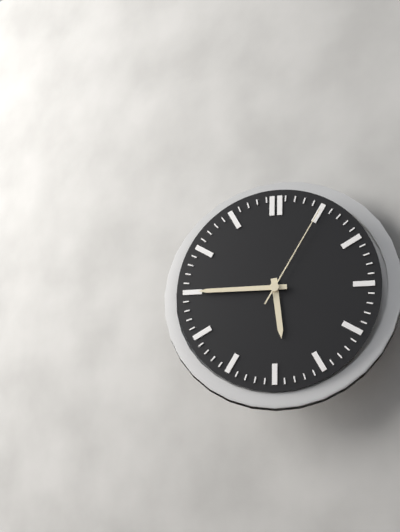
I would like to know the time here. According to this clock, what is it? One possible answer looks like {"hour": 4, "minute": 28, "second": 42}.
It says {"hour": 5, "minute": 45, "second": 5}
